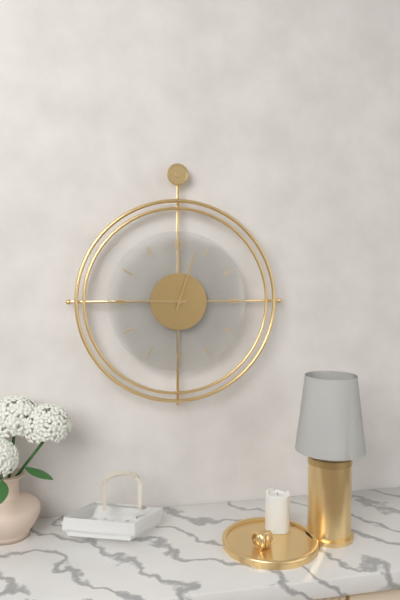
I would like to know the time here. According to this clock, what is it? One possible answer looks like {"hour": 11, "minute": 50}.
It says {"hour": 9, "minute": 3}
